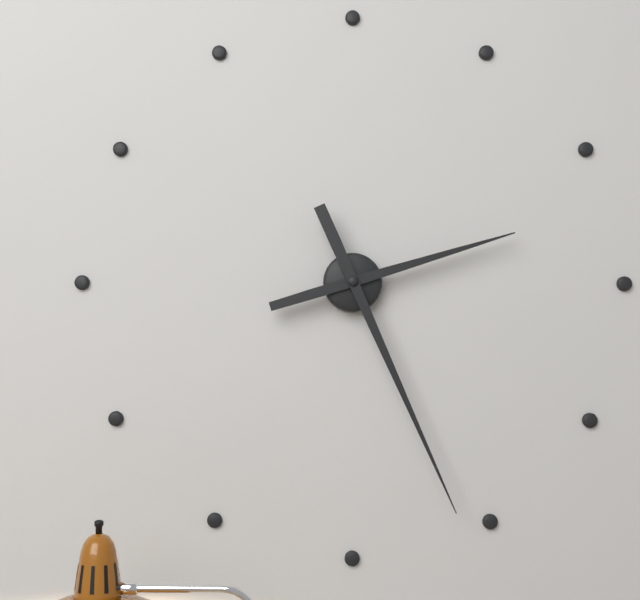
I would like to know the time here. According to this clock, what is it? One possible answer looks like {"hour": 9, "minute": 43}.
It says {"hour": 2, "minute": 26}
